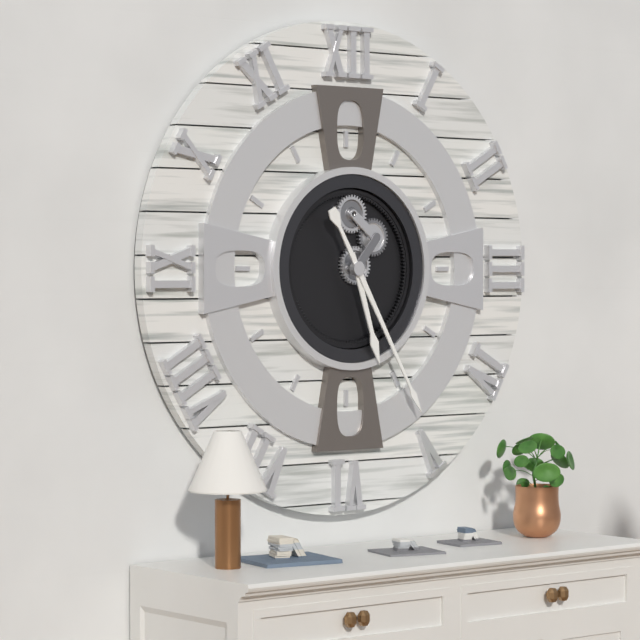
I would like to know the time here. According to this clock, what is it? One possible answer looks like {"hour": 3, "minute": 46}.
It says {"hour": 5, "minute": 25}
